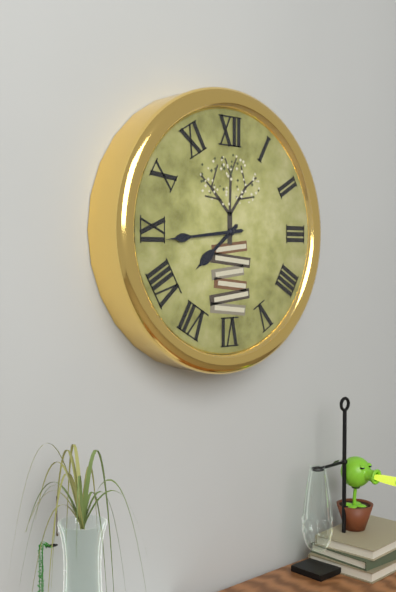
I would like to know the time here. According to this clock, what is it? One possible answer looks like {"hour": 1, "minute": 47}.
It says {"hour": 7, "minute": 44}
